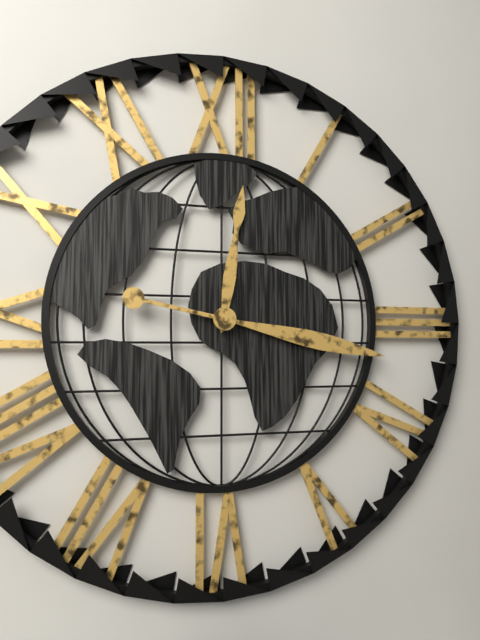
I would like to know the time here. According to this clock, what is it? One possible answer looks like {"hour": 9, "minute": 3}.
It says {"hour": 12, "minute": 17}
